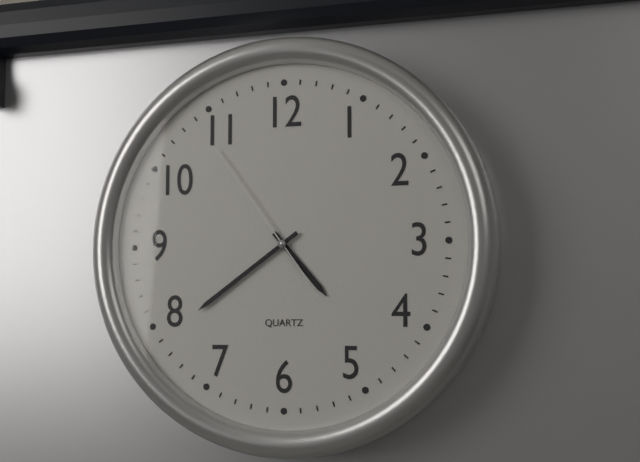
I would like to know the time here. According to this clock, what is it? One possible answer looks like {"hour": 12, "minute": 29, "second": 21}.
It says {"hour": 4, "minute": 39, "second": 54}
